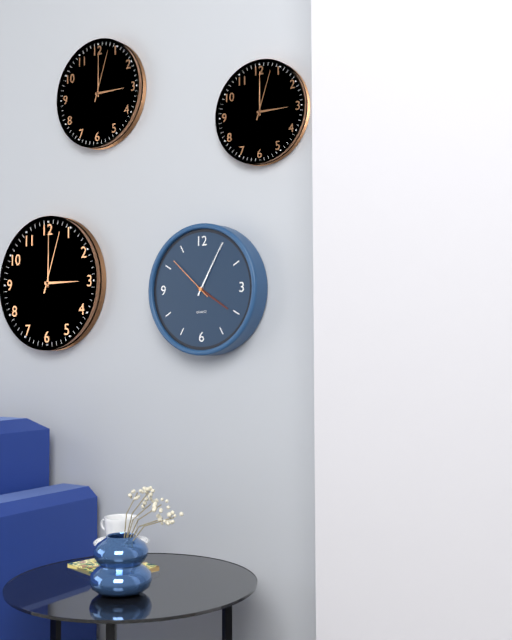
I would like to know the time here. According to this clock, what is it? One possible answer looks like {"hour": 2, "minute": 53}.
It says {"hour": 4, "minute": 5}
